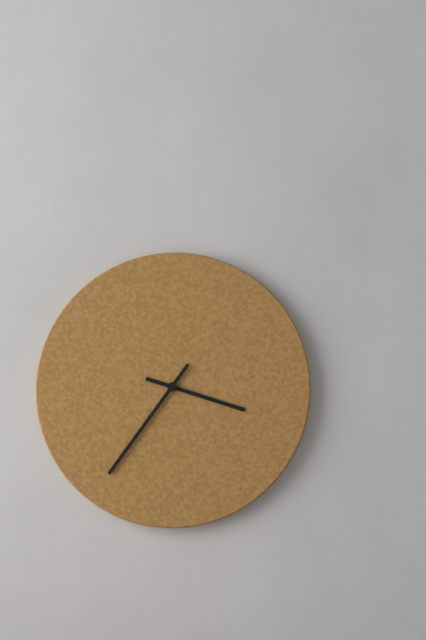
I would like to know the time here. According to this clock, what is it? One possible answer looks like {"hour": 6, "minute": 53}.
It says {"hour": 3, "minute": 36}
